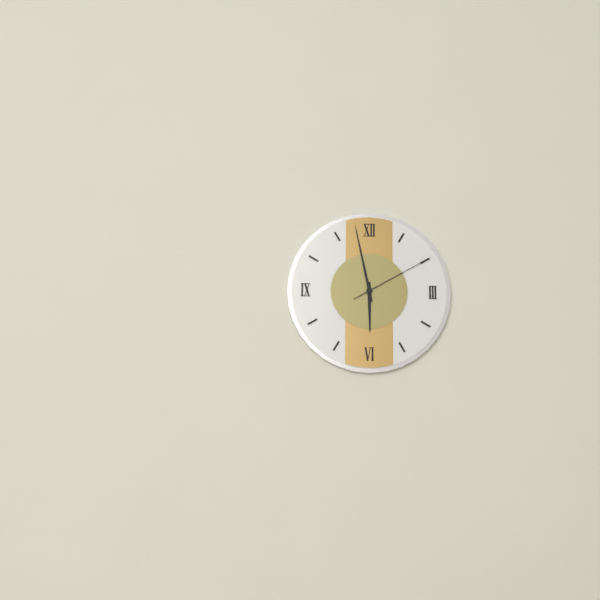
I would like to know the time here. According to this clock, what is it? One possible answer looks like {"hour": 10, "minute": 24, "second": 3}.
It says {"hour": 5, "minute": 58, "second": 10}
